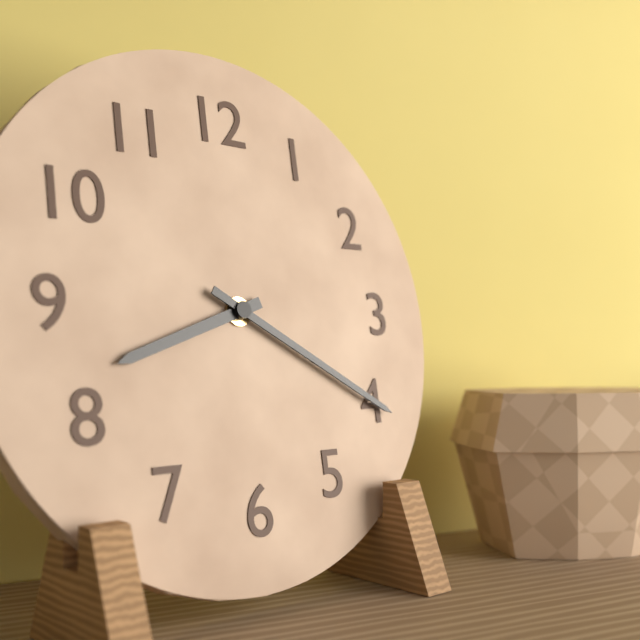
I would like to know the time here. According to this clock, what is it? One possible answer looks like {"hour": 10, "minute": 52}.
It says {"hour": 8, "minute": 20}
